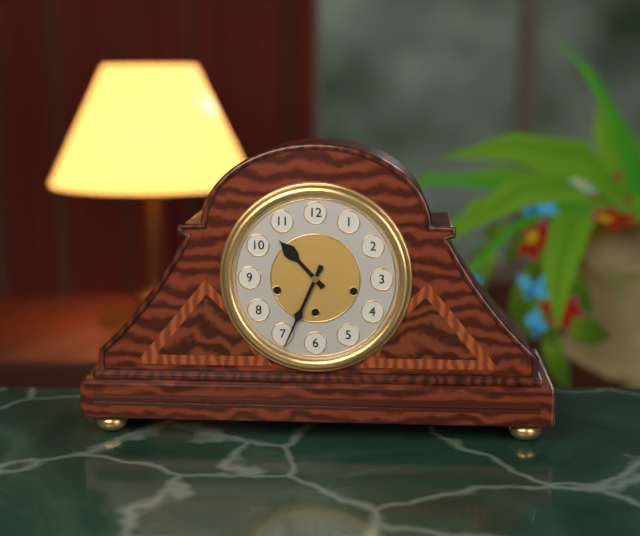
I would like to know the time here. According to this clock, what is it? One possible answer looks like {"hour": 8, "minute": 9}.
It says {"hour": 10, "minute": 34}
